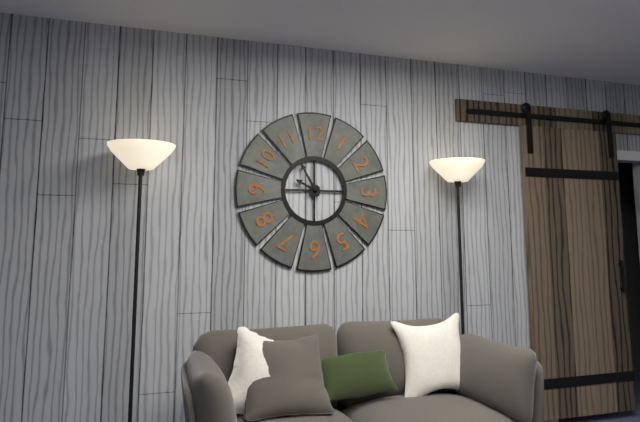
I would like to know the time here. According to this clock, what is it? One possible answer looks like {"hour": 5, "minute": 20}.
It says {"hour": 9, "minute": 55}
